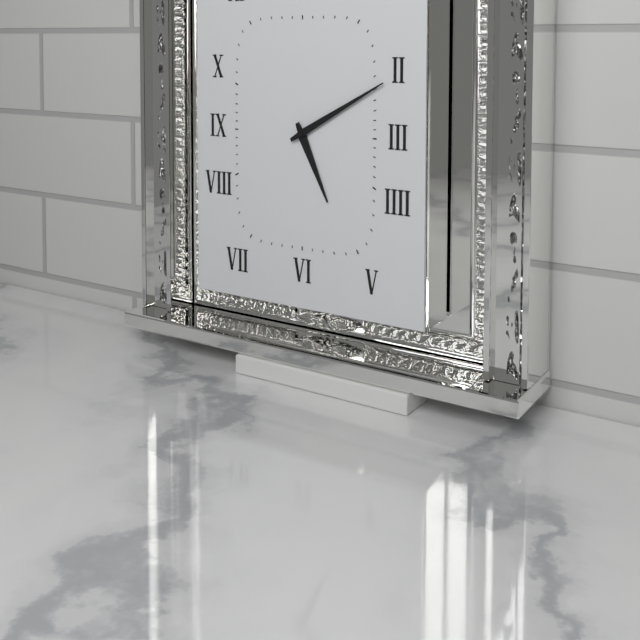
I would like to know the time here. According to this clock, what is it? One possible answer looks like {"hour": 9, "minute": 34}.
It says {"hour": 5, "minute": 10}
